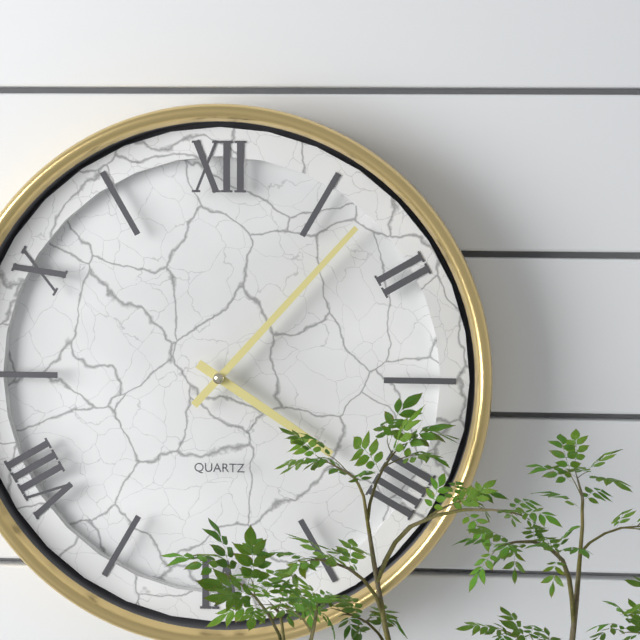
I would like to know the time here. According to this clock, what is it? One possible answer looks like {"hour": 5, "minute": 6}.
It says {"hour": 4, "minute": 7}
